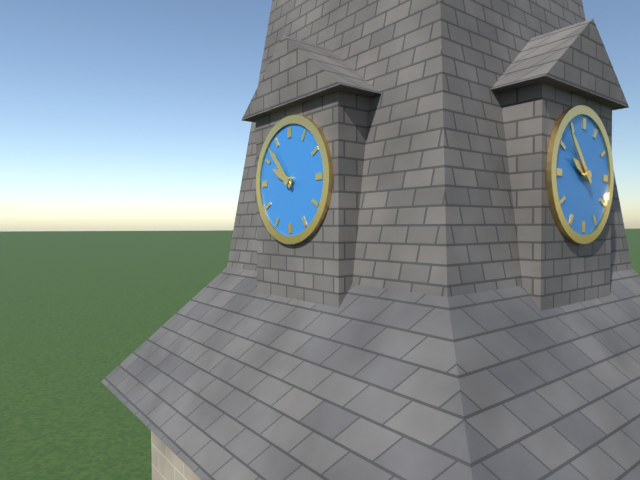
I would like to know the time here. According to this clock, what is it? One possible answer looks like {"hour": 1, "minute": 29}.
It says {"hour": 9, "minute": 53}
